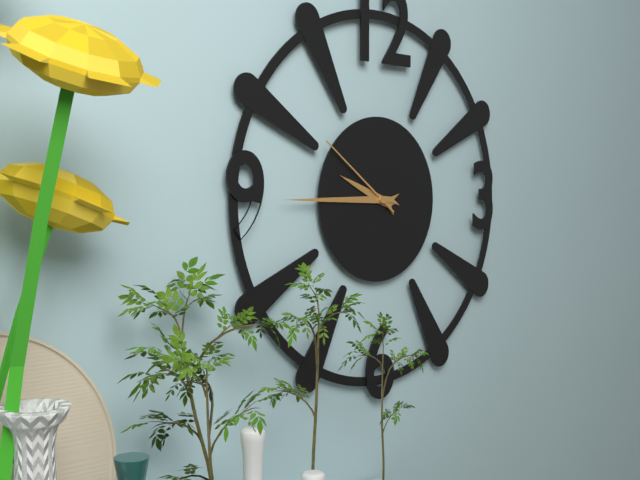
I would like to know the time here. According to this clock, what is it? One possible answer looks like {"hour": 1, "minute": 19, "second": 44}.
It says {"hour": 9, "minute": 45, "second": 51}
